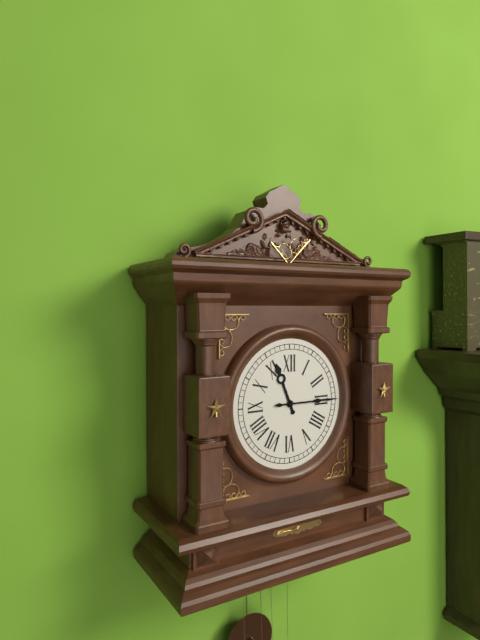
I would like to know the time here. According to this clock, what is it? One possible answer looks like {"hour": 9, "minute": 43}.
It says {"hour": 11, "minute": 15}
